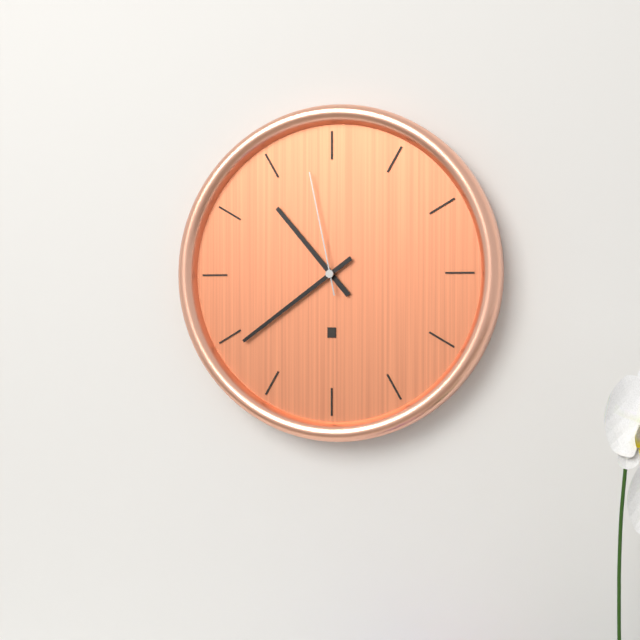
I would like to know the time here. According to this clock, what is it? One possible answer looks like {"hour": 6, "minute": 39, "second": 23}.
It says {"hour": 10, "minute": 39, "second": 58}
